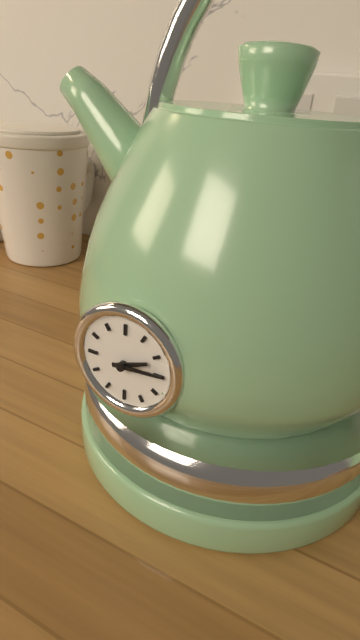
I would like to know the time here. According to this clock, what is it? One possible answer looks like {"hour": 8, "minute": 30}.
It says {"hour": 2, "minute": 14}
